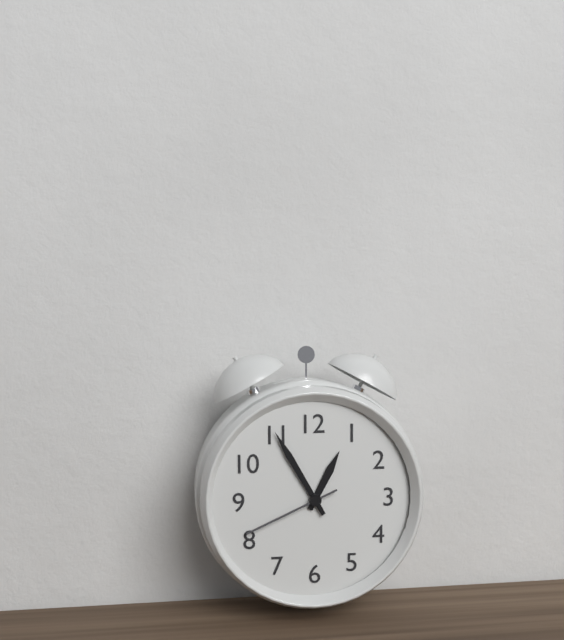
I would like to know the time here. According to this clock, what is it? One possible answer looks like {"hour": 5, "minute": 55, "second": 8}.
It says {"hour": 12, "minute": 55, "second": 41}
